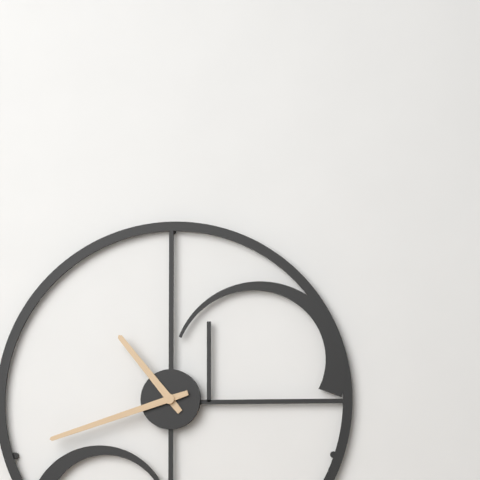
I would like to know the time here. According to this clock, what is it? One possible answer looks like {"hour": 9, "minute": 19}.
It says {"hour": 10, "minute": 42}
